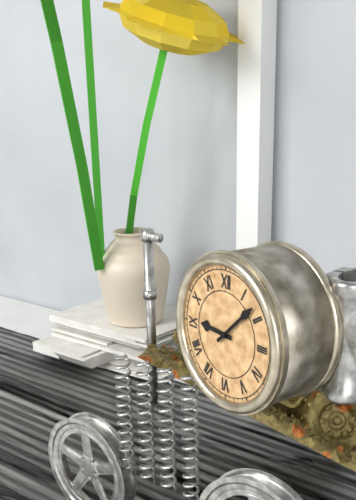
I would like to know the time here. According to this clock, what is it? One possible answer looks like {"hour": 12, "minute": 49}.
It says {"hour": 9, "minute": 8}
